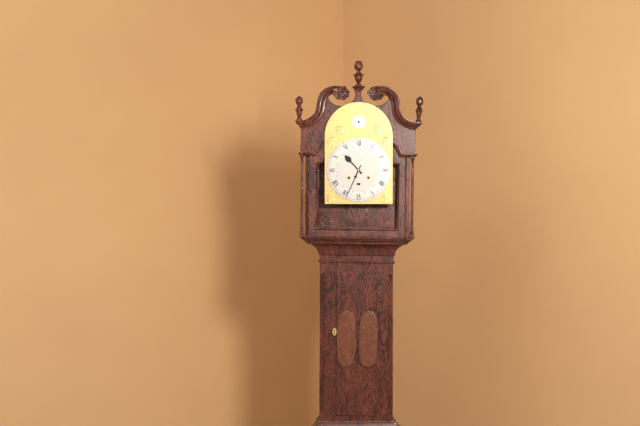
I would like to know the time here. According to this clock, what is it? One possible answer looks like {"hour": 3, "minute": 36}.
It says {"hour": 10, "minute": 34}
